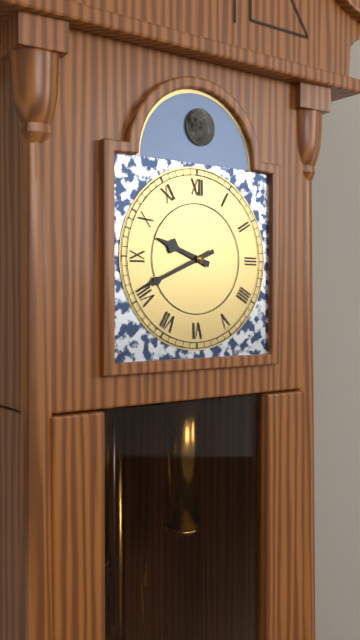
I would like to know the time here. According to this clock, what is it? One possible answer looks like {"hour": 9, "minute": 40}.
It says {"hour": 9, "minute": 41}
